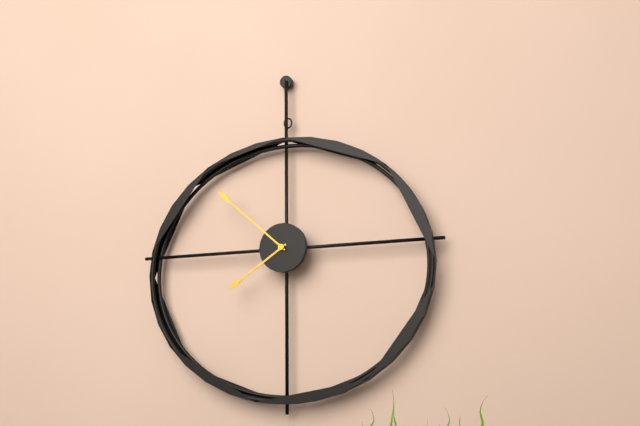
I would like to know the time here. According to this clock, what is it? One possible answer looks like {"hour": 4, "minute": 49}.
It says {"hour": 7, "minute": 52}
